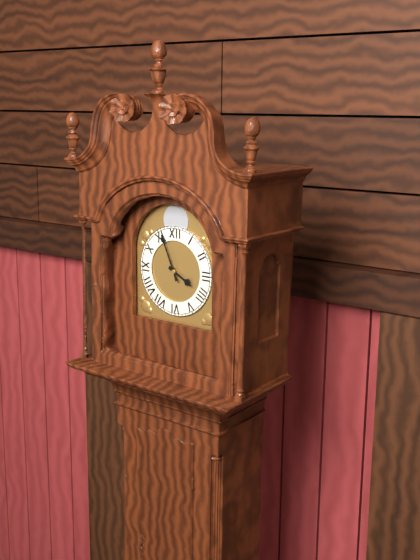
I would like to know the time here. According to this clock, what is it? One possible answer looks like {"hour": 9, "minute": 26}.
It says {"hour": 3, "minute": 56}
